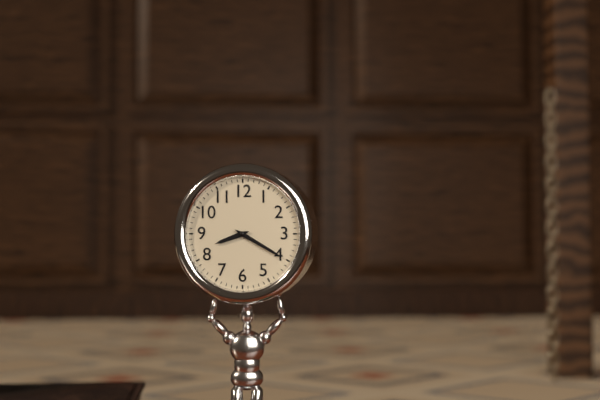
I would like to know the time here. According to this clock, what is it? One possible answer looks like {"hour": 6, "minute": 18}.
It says {"hour": 8, "minute": 20}
